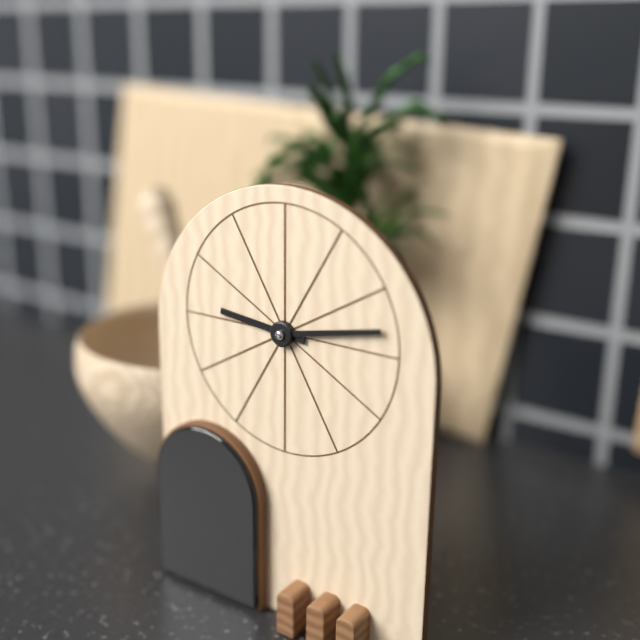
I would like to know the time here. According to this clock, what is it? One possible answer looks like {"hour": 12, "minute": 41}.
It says {"hour": 9, "minute": 13}
